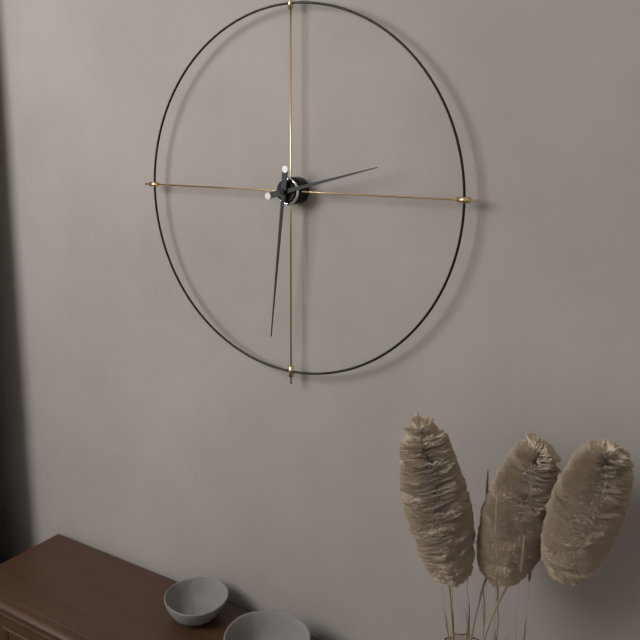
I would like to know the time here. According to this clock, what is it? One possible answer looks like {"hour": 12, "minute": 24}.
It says {"hour": 2, "minute": 31}
